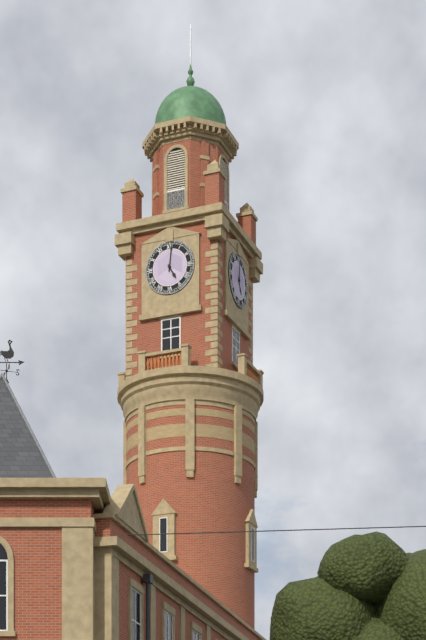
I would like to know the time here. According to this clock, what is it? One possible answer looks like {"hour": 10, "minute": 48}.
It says {"hour": 5, "minute": 1}
